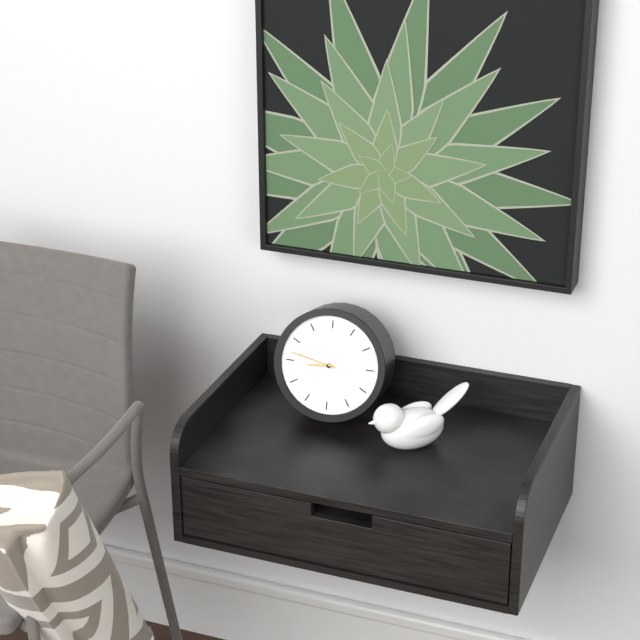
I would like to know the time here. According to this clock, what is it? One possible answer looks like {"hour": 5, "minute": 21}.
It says {"hour": 8, "minute": 47}
